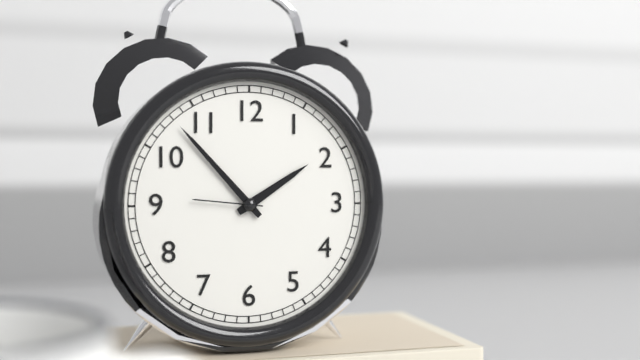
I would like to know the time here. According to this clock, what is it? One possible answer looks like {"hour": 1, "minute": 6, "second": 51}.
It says {"hour": 1, "minute": 53, "second": 46}
